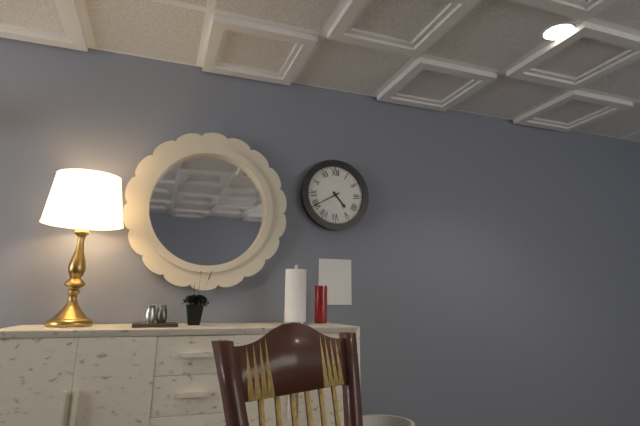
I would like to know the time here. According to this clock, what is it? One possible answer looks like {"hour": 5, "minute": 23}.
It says {"hour": 4, "minute": 40}
